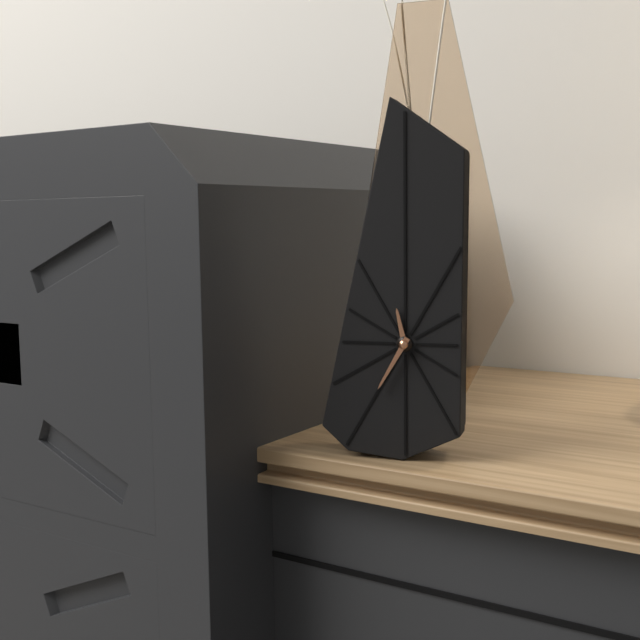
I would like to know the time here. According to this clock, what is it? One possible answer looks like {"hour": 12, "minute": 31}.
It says {"hour": 11, "minute": 35}
